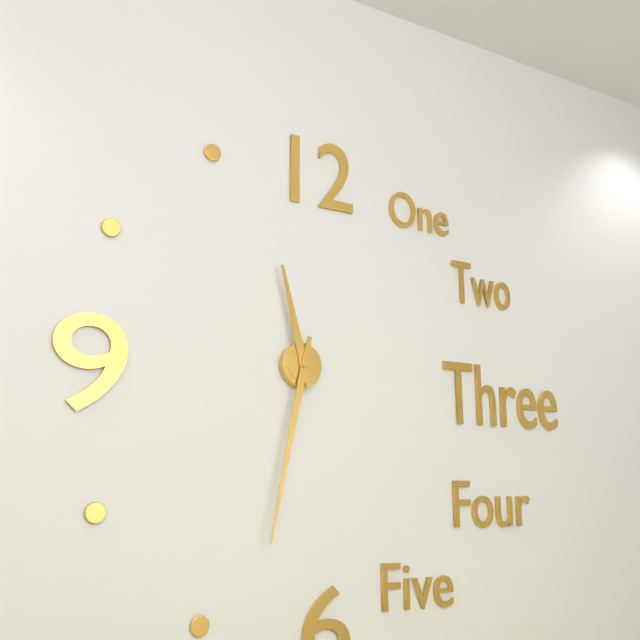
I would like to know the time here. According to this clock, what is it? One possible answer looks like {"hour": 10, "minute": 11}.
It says {"hour": 11, "minute": 32}
